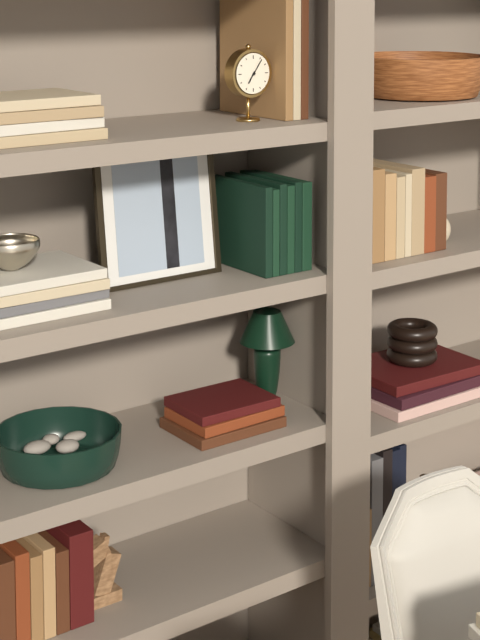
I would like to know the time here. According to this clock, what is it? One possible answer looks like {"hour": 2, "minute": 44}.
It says {"hour": 7, "minute": 6}
